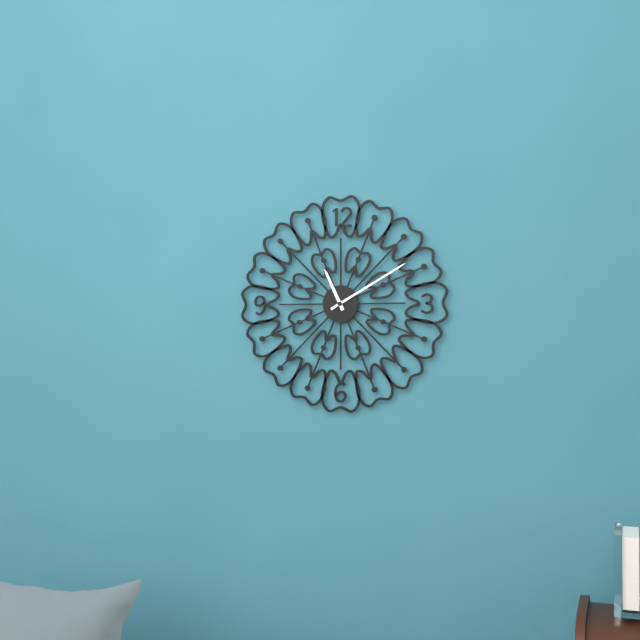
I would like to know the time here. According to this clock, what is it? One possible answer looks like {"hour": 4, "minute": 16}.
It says {"hour": 11, "minute": 10}
